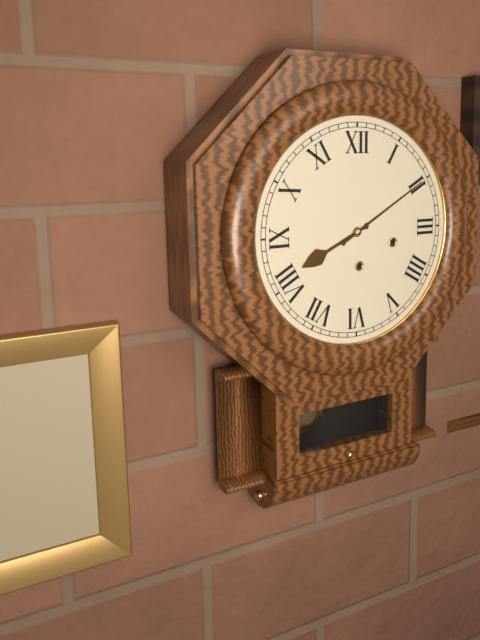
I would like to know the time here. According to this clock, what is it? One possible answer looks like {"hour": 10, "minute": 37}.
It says {"hour": 8, "minute": 10}
